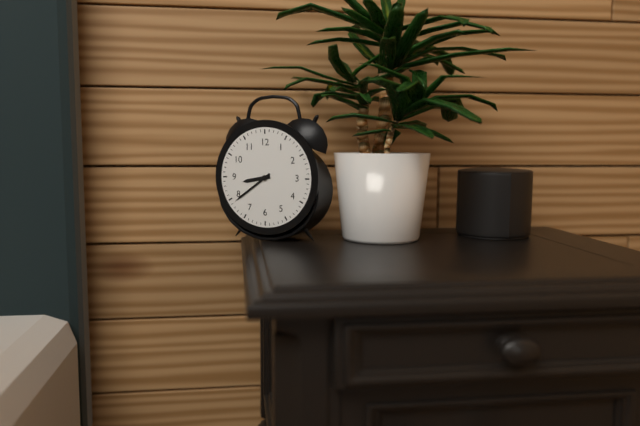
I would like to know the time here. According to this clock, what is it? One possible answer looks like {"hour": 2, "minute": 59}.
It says {"hour": 8, "minute": 39}
